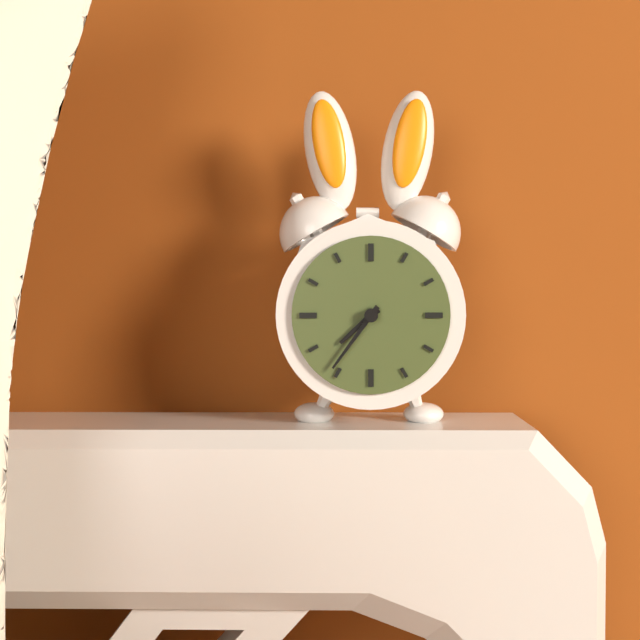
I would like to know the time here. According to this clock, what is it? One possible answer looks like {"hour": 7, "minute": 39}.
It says {"hour": 7, "minute": 36}
